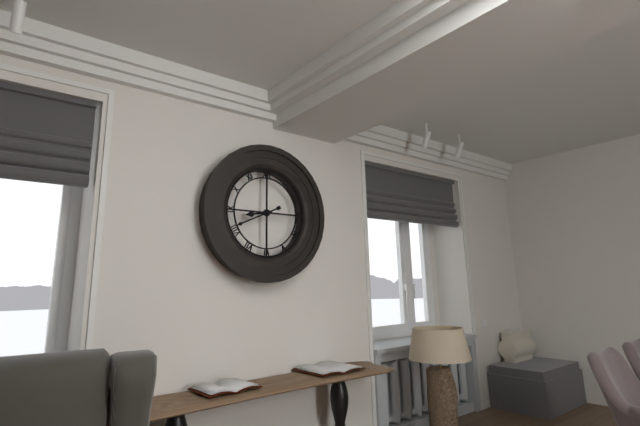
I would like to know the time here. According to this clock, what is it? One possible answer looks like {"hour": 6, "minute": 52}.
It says {"hour": 8, "minute": 41}
